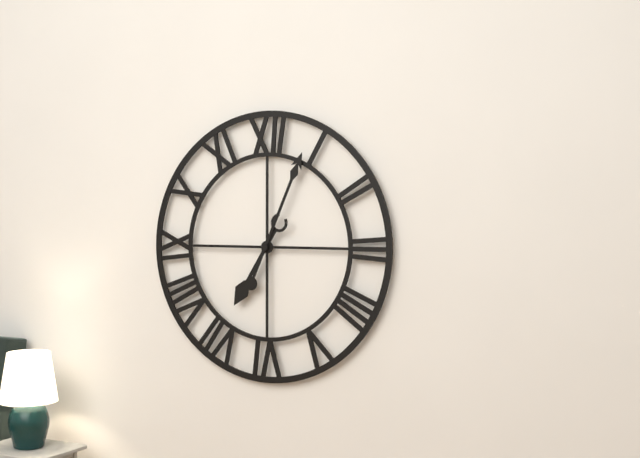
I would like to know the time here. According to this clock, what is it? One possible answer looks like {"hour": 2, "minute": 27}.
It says {"hour": 7, "minute": 4}
